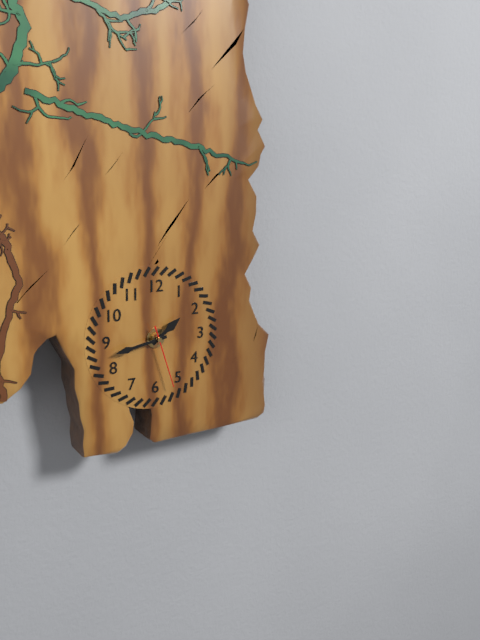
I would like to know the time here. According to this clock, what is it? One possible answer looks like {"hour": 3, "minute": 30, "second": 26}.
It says {"hour": 1, "minute": 43, "second": 27}
